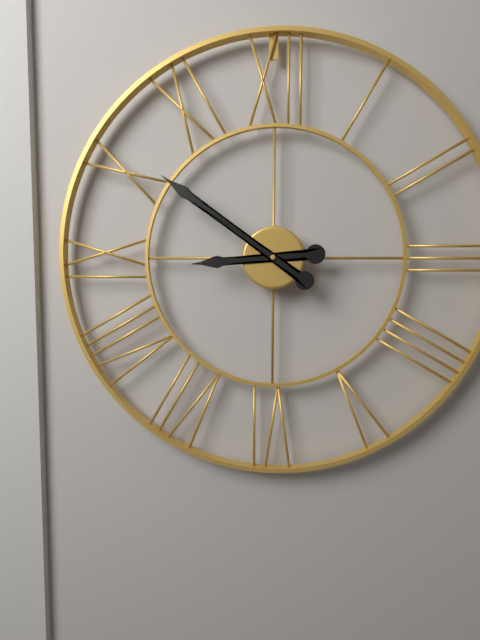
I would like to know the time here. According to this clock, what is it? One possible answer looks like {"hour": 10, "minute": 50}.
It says {"hour": 8, "minute": 51}
